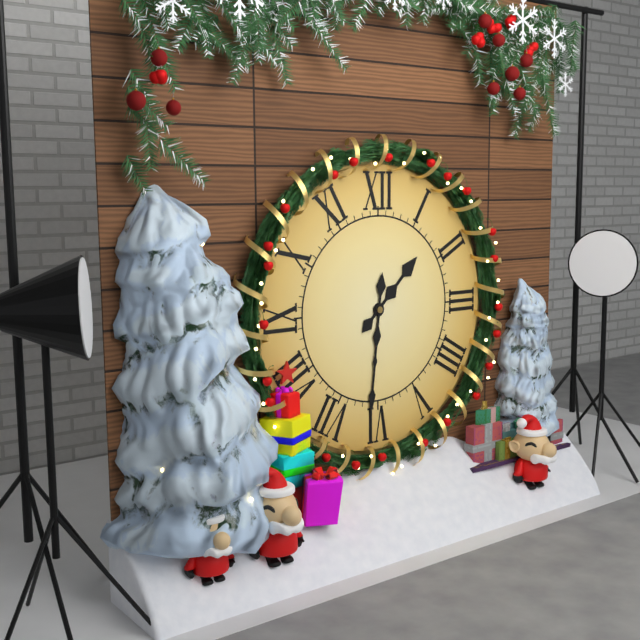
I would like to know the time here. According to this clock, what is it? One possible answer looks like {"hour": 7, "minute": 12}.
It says {"hour": 1, "minute": 31}
